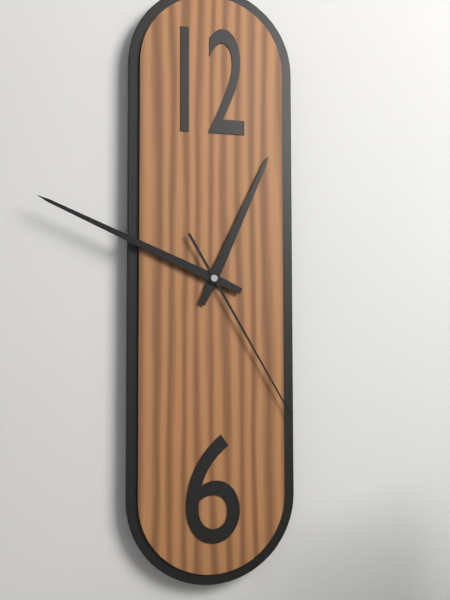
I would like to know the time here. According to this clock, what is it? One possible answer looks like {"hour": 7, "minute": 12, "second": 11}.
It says {"hour": 12, "minute": 49, "second": 25}
